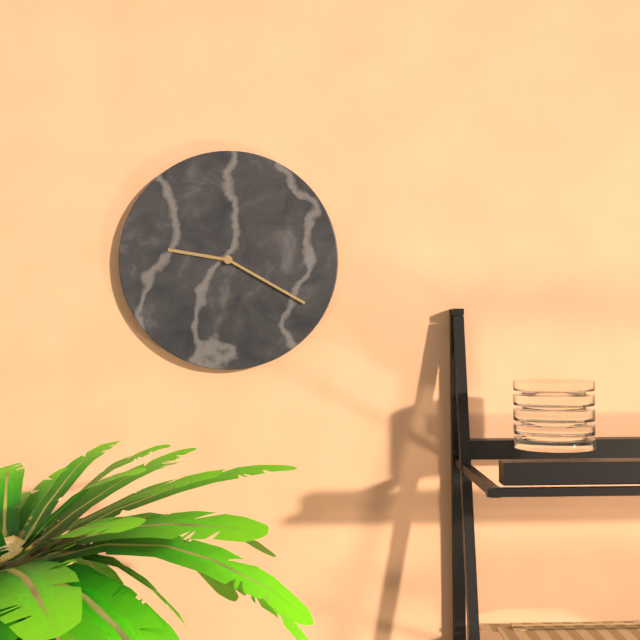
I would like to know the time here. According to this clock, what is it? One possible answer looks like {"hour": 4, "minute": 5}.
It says {"hour": 9, "minute": 20}
